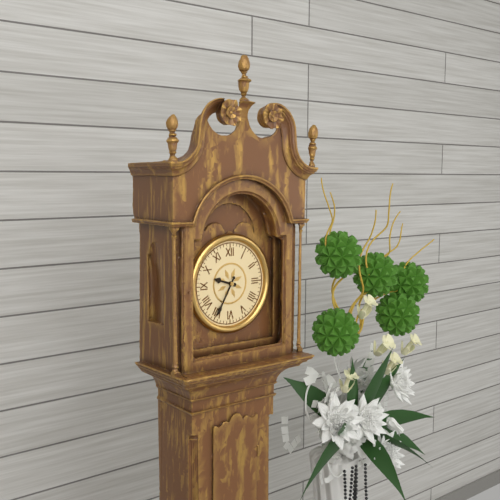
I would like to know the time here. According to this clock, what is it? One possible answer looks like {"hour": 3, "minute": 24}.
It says {"hour": 9, "minute": 35}
